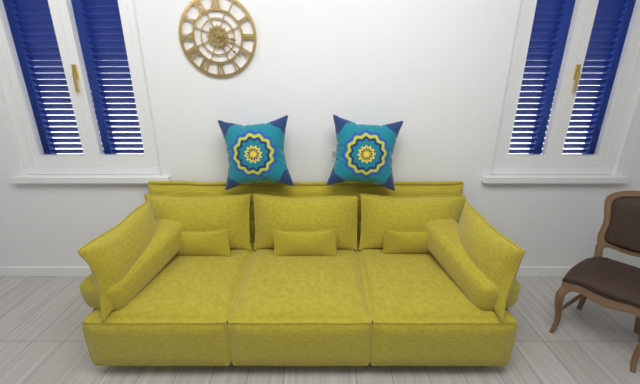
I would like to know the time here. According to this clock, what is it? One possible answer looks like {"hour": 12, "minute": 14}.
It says {"hour": 3, "minute": 22}
